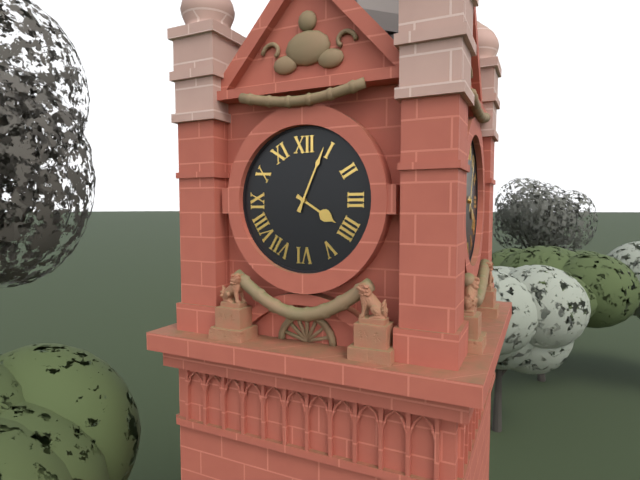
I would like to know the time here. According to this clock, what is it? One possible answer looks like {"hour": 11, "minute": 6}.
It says {"hour": 4, "minute": 4}
